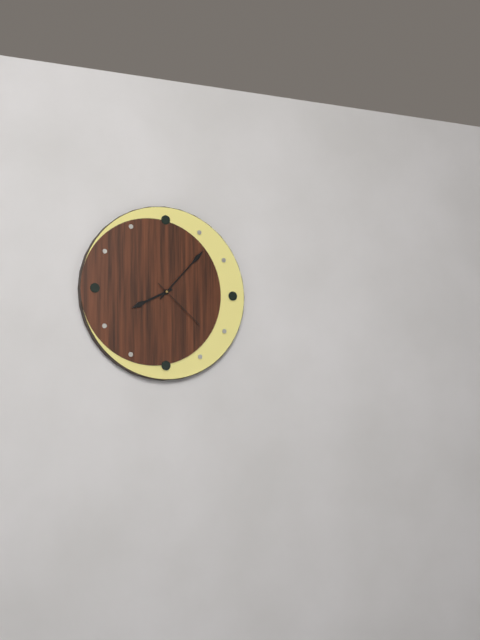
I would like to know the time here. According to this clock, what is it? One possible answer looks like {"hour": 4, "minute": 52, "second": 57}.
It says {"hour": 8, "minute": 7, "second": 22}
